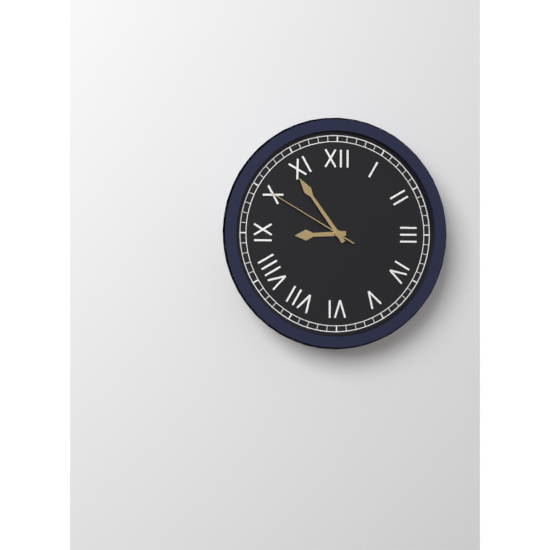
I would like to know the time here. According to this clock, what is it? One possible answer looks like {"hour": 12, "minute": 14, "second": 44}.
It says {"hour": 8, "minute": 54, "second": 50}
